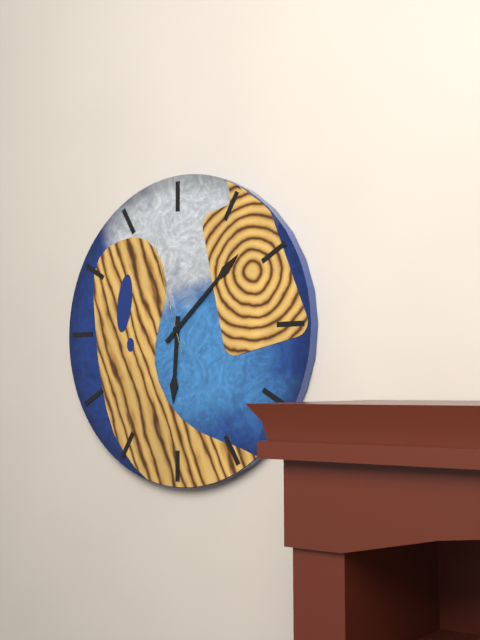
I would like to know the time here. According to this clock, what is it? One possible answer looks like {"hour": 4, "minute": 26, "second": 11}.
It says {"hour": 6, "minute": 8, "second": 57}
